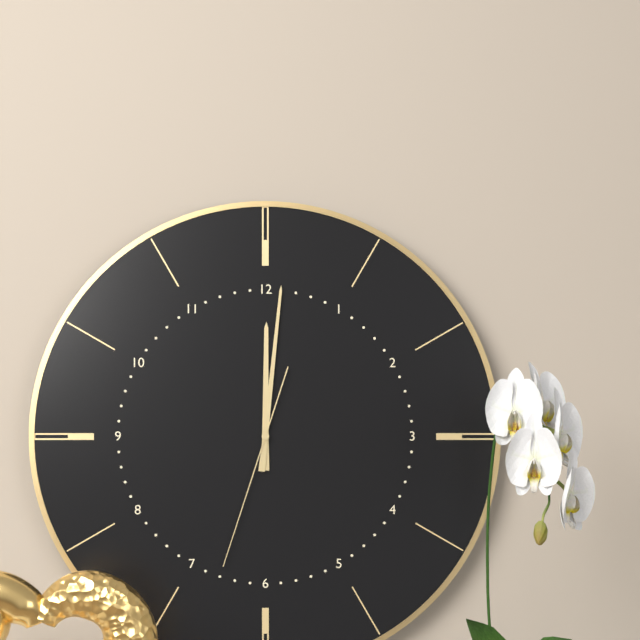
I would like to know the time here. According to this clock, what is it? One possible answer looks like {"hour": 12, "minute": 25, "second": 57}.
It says {"hour": 12, "minute": 1, "second": 33}
